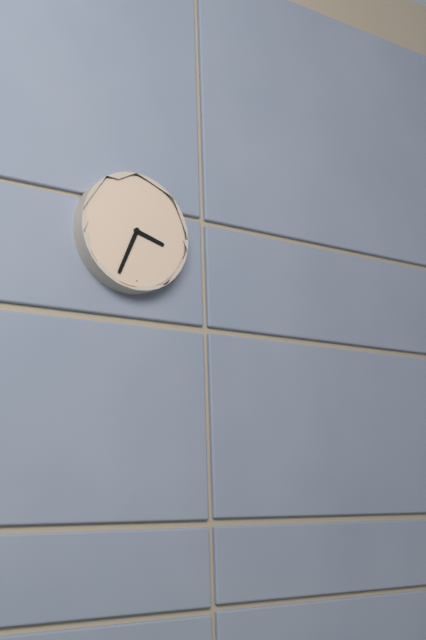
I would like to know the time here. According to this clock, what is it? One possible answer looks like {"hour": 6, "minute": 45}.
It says {"hour": 3, "minute": 34}
